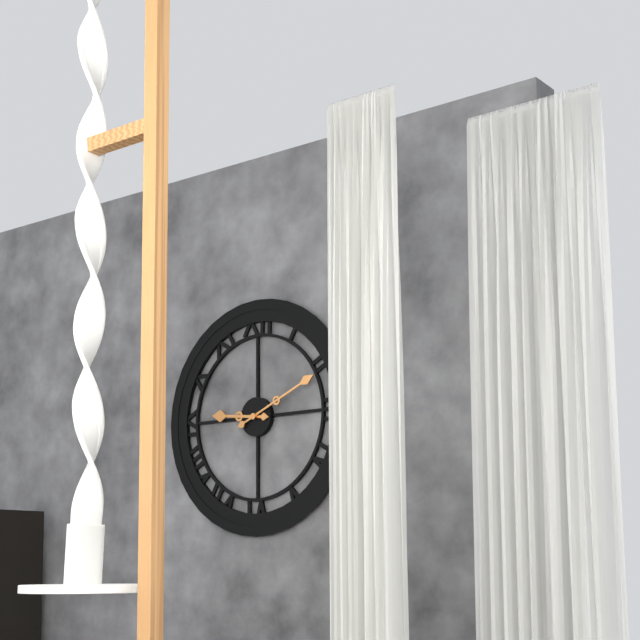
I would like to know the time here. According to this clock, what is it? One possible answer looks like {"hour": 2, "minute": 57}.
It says {"hour": 9, "minute": 11}
